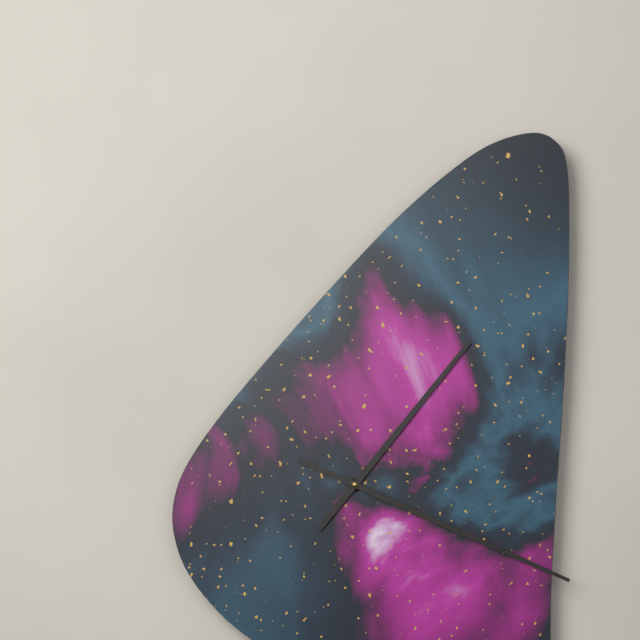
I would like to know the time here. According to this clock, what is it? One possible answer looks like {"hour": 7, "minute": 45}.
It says {"hour": 1, "minute": 19}
